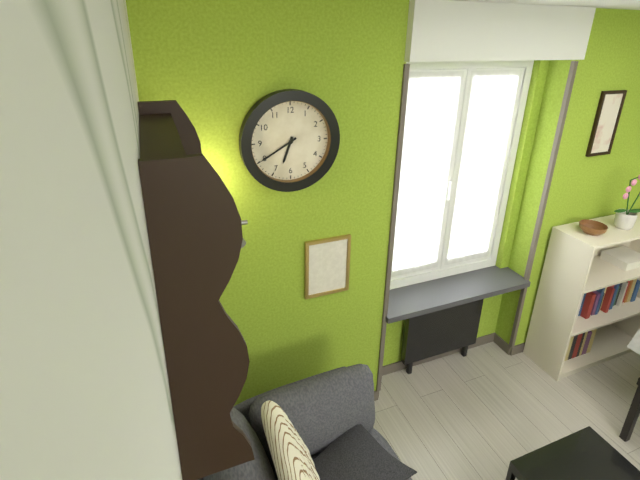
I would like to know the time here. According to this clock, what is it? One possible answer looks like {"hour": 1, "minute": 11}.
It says {"hour": 6, "minute": 40}
